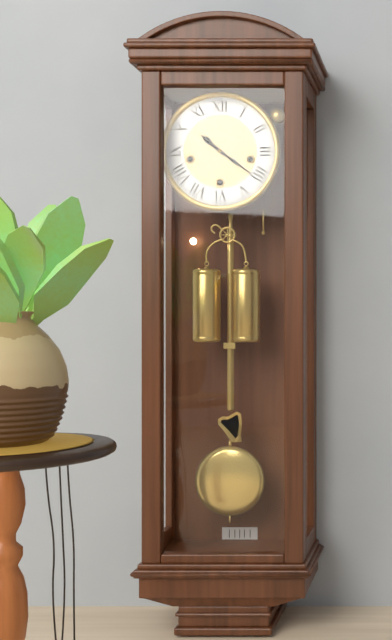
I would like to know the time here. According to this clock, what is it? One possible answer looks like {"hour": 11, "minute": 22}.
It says {"hour": 10, "minute": 21}
